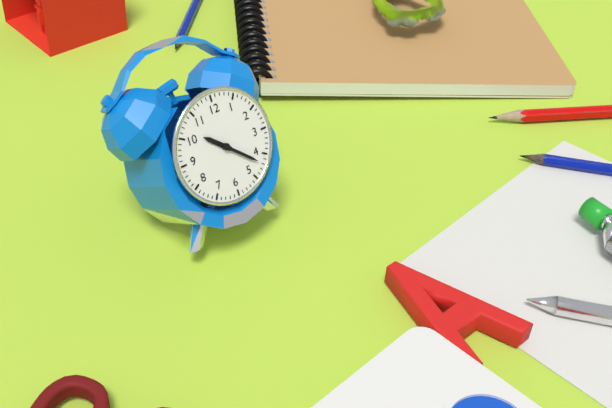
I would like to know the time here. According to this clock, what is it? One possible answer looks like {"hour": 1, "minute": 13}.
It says {"hour": 10, "minute": 22}
